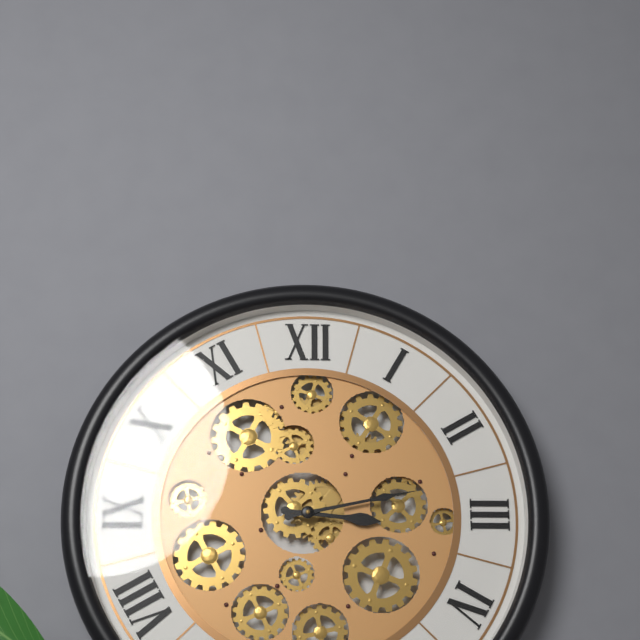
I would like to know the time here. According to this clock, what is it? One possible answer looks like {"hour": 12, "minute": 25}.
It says {"hour": 3, "minute": 13}
